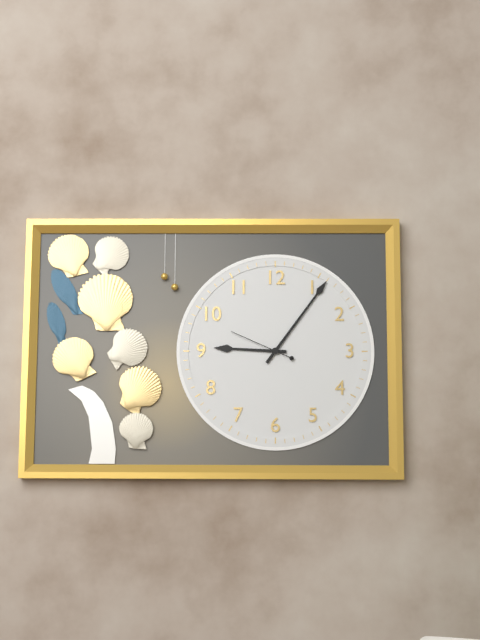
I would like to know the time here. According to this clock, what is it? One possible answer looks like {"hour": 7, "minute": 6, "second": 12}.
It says {"hour": 9, "minute": 6, "second": 49}
